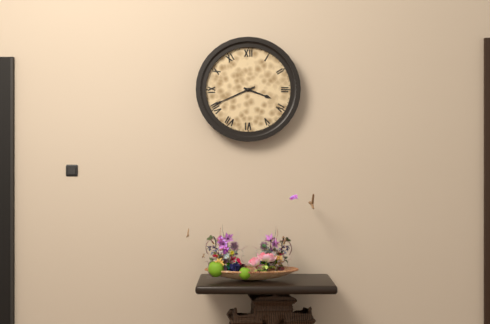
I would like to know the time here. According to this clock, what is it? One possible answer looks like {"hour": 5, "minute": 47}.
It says {"hour": 3, "minute": 41}
